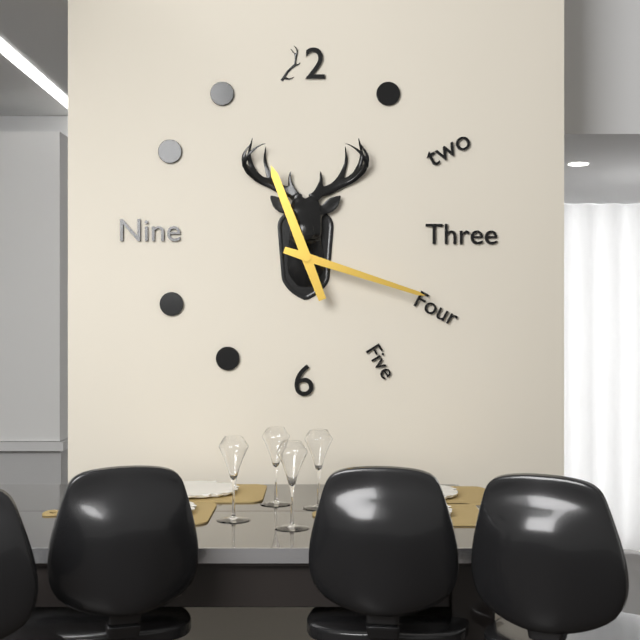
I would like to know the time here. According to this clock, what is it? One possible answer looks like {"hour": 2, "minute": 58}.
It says {"hour": 11, "minute": 18}
